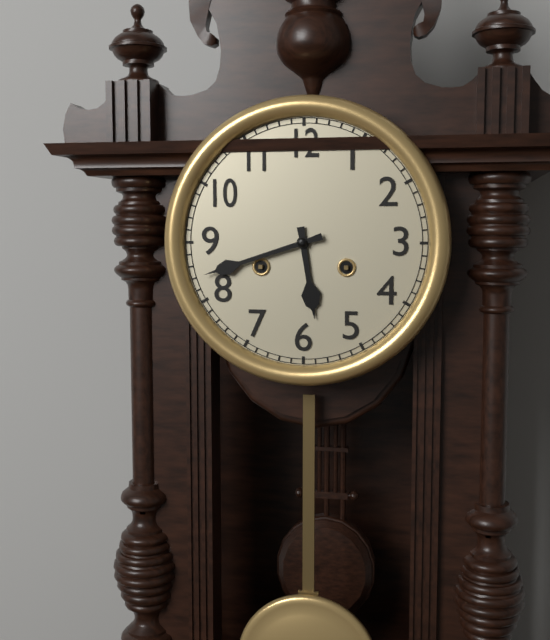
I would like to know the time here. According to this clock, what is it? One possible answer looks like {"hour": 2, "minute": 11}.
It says {"hour": 5, "minute": 42}
